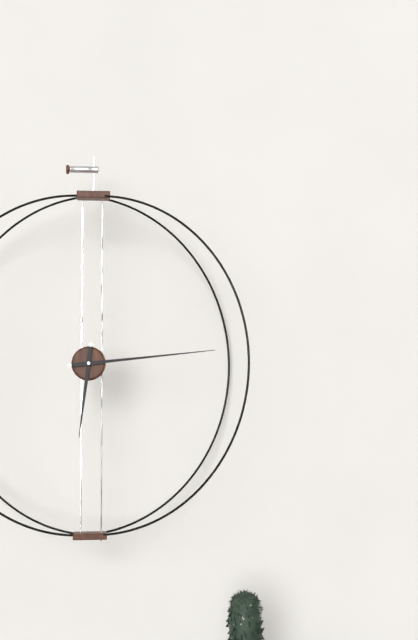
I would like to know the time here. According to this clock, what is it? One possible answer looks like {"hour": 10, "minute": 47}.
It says {"hour": 6, "minute": 14}
